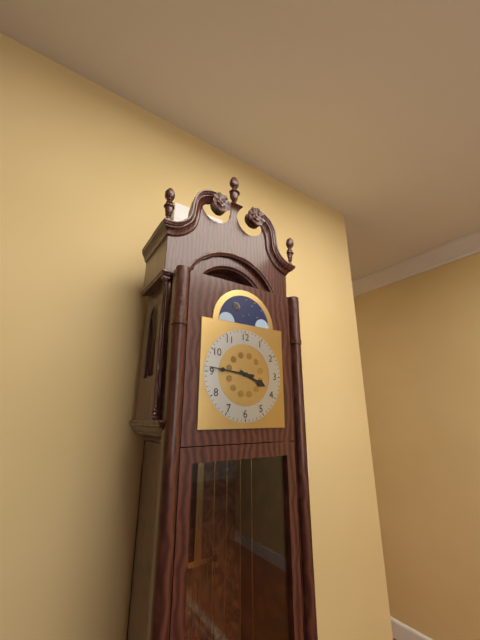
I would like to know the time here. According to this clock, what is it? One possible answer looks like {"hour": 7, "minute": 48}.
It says {"hour": 3, "minute": 46}
